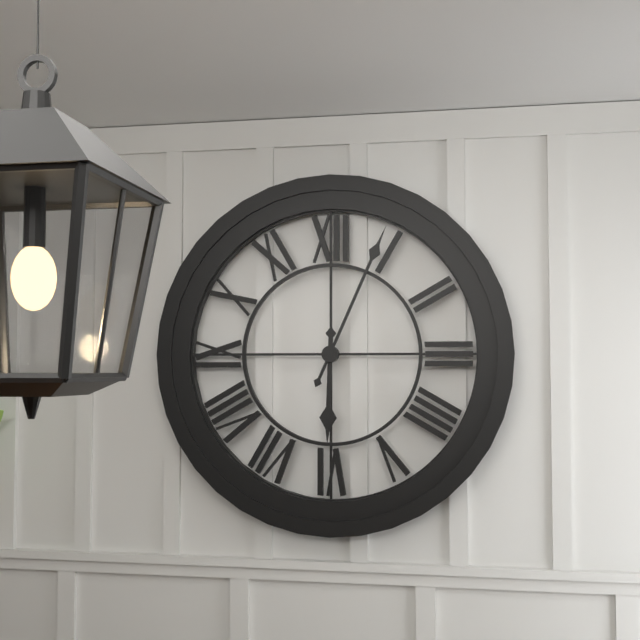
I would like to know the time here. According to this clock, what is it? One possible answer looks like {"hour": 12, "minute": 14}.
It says {"hour": 6, "minute": 4}
